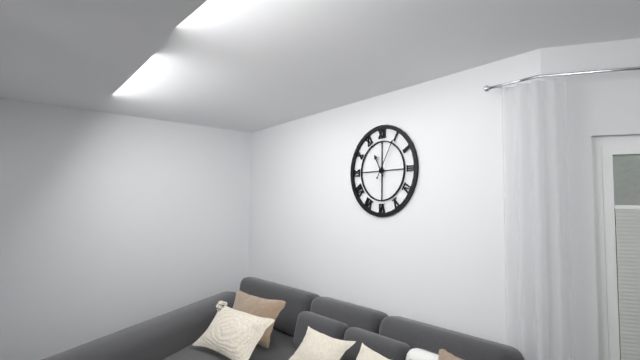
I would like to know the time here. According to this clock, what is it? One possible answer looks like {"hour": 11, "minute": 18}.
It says {"hour": 11, "minute": 5}
